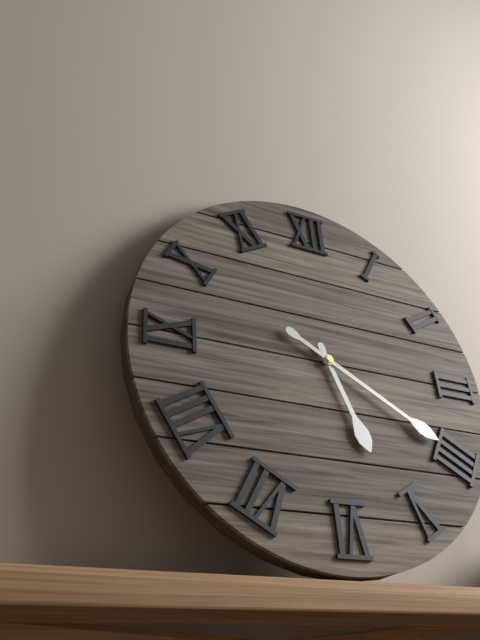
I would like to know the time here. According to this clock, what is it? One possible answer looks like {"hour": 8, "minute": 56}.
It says {"hour": 5, "minute": 20}
